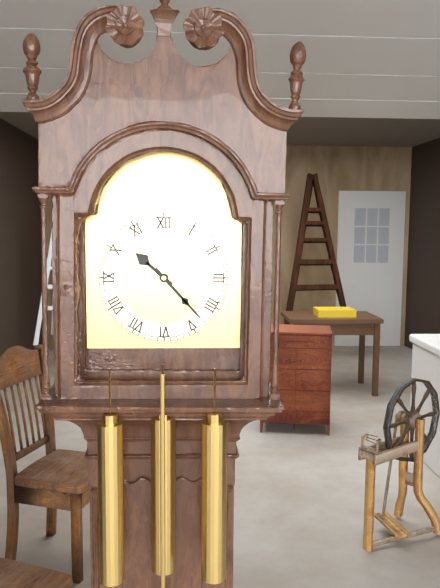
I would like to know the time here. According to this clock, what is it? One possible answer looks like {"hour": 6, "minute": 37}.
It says {"hour": 10, "minute": 23}
